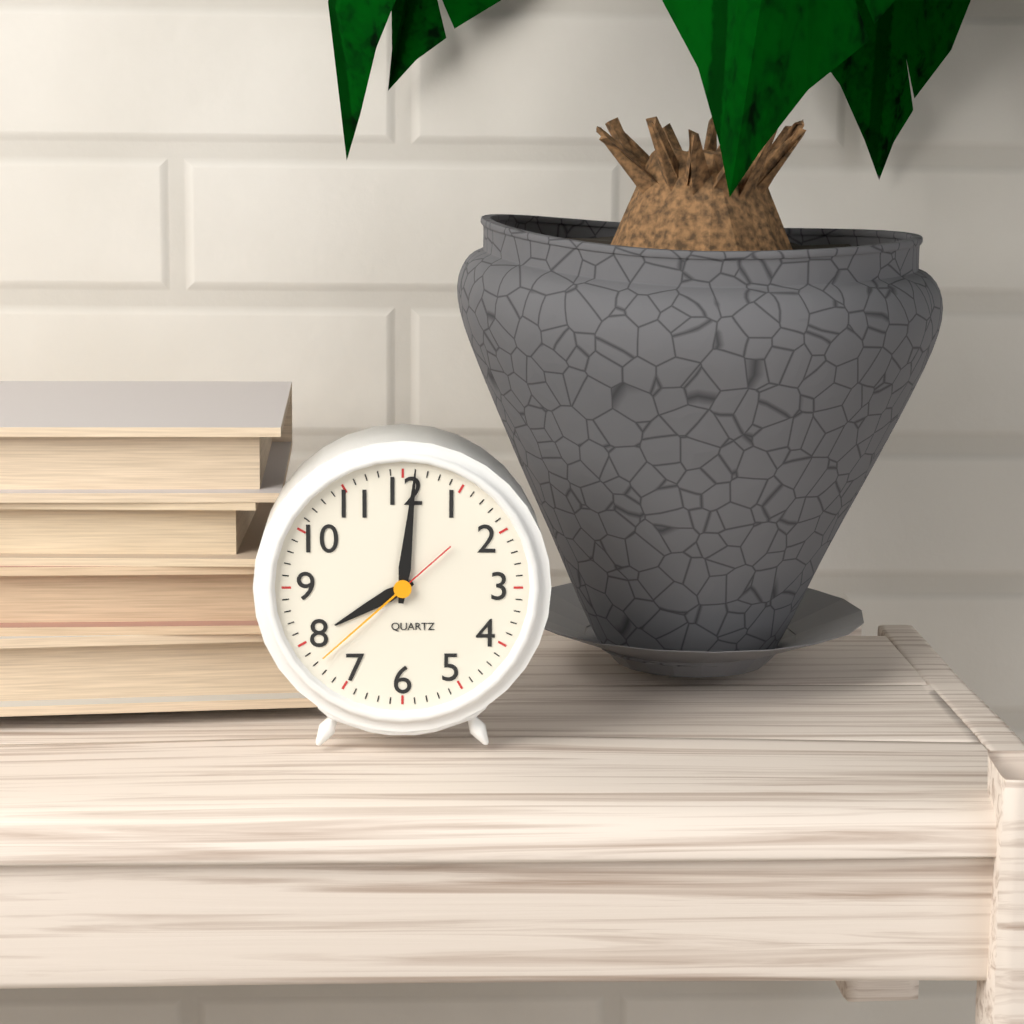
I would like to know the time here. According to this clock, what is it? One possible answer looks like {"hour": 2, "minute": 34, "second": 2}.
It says {"hour": 8, "minute": 1, "second": 38}
